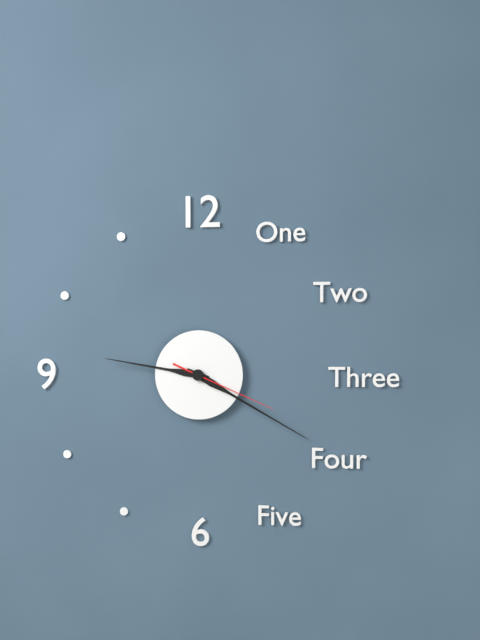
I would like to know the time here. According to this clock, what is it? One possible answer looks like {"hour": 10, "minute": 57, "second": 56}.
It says {"hour": 9, "minute": 20, "second": 19}
